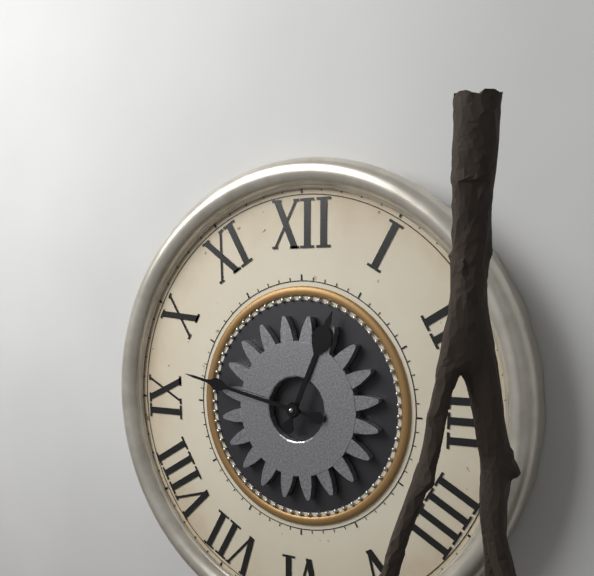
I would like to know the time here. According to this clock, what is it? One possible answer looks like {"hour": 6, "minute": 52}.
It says {"hour": 12, "minute": 47}
